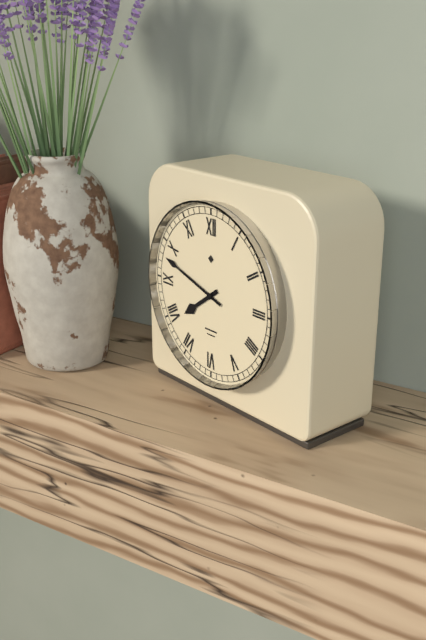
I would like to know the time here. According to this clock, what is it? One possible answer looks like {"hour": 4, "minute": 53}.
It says {"hour": 7, "minute": 48}
